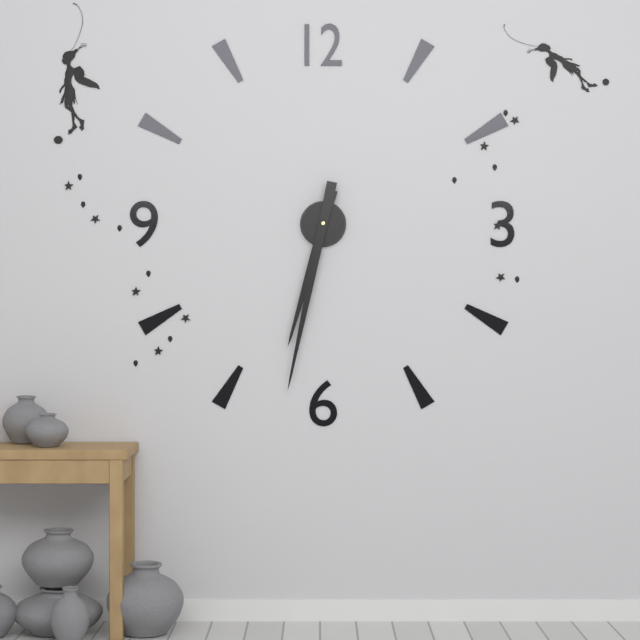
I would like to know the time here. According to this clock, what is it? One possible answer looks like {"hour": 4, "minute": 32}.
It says {"hour": 6, "minute": 32}
